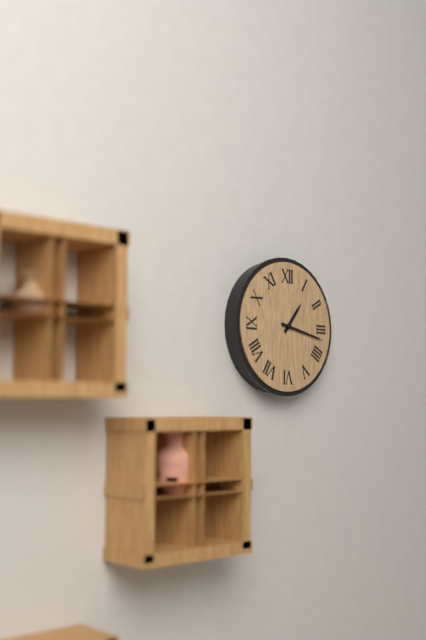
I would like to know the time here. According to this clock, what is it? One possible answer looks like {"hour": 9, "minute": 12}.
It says {"hour": 1, "minute": 17}
